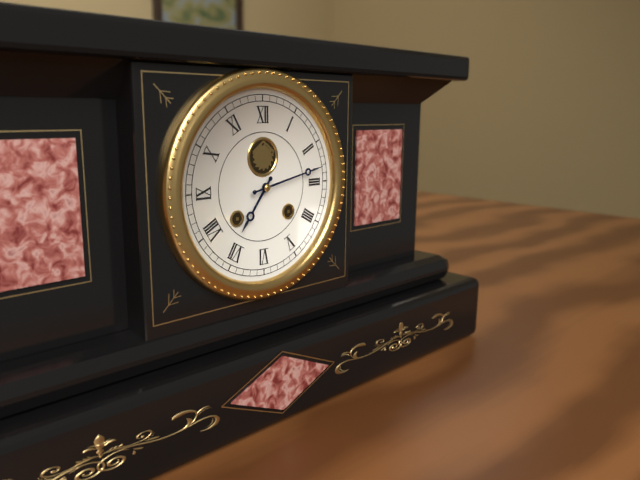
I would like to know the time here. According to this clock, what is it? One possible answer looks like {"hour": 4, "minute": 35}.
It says {"hour": 7, "minute": 13}
